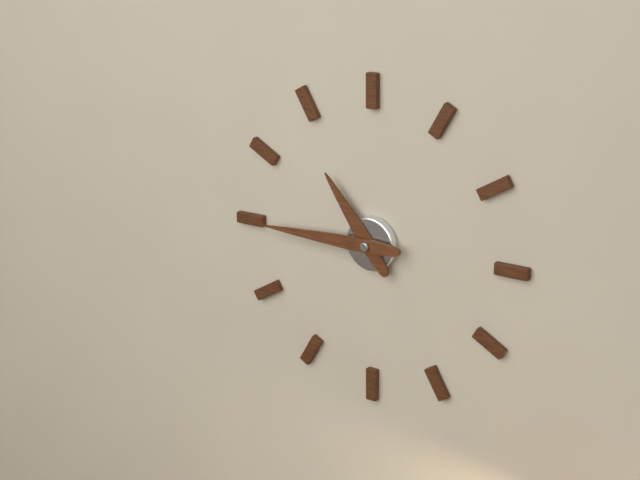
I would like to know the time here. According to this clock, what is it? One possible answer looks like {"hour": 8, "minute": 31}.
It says {"hour": 10, "minute": 45}
